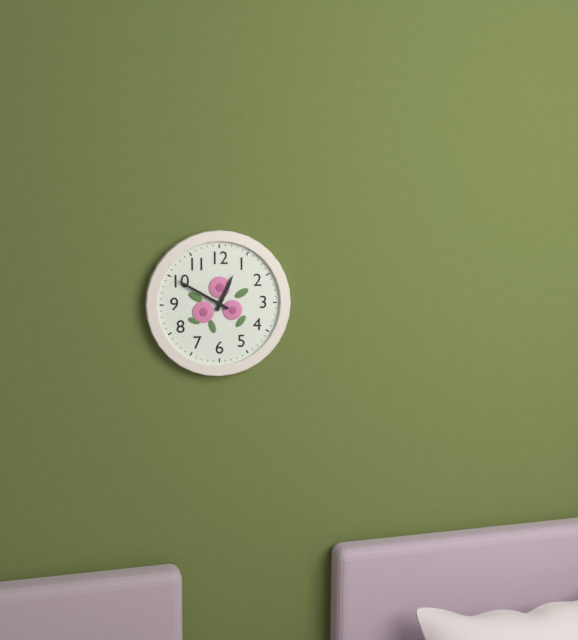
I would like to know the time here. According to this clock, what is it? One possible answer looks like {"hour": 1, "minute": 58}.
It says {"hour": 12, "minute": 50}
